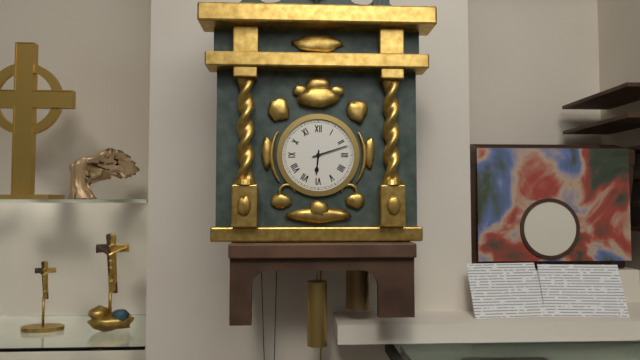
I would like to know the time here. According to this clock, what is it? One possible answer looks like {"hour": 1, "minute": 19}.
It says {"hour": 6, "minute": 12}
